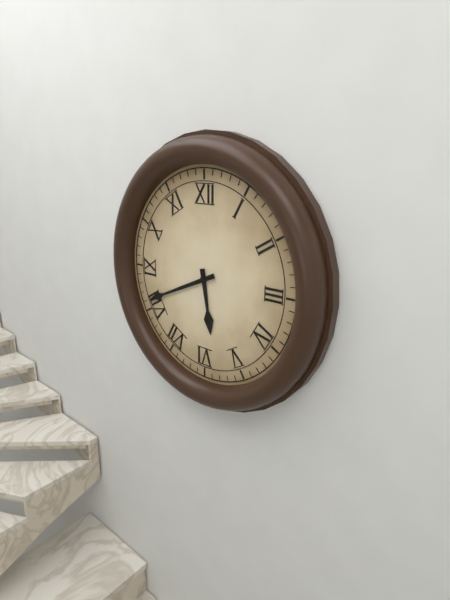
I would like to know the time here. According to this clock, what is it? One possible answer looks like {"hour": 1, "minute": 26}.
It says {"hour": 5, "minute": 41}
